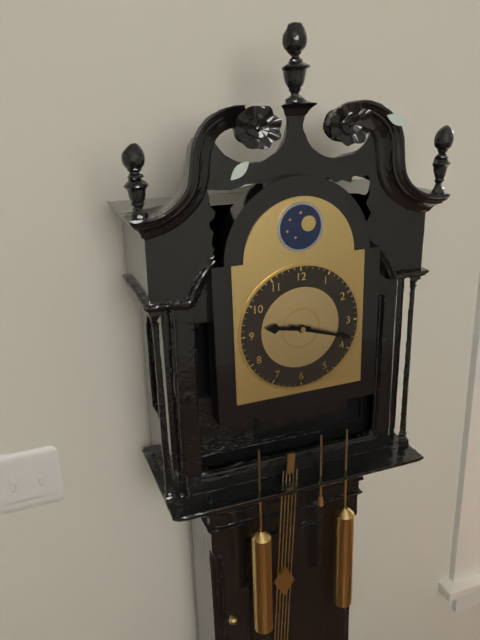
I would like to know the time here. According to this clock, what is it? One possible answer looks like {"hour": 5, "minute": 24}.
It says {"hour": 9, "minute": 18}
